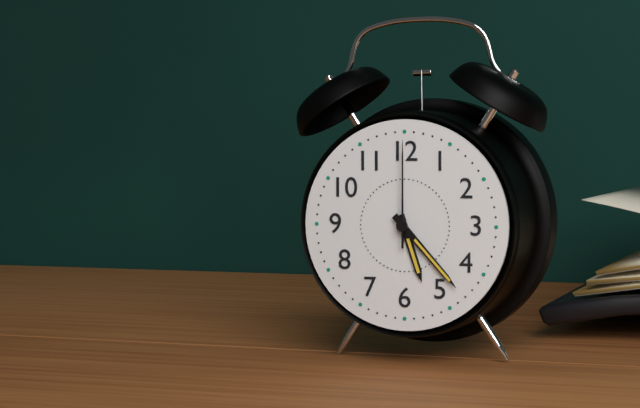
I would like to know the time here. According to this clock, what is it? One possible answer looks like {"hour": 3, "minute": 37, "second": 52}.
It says {"hour": 5, "minute": 23, "second": 0}
